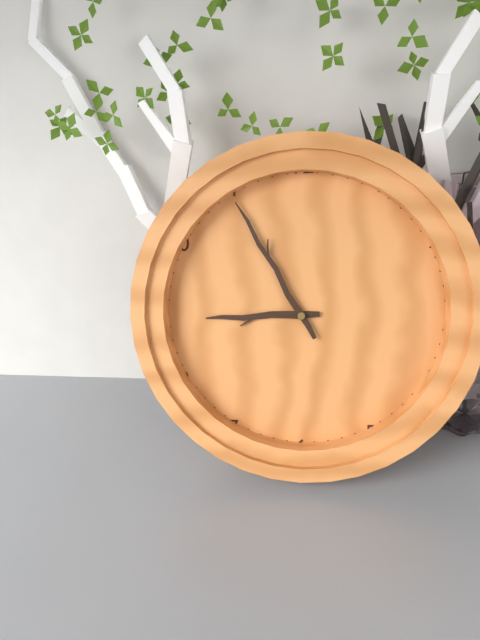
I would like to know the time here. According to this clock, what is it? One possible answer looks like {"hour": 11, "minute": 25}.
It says {"hour": 8, "minute": 55}
